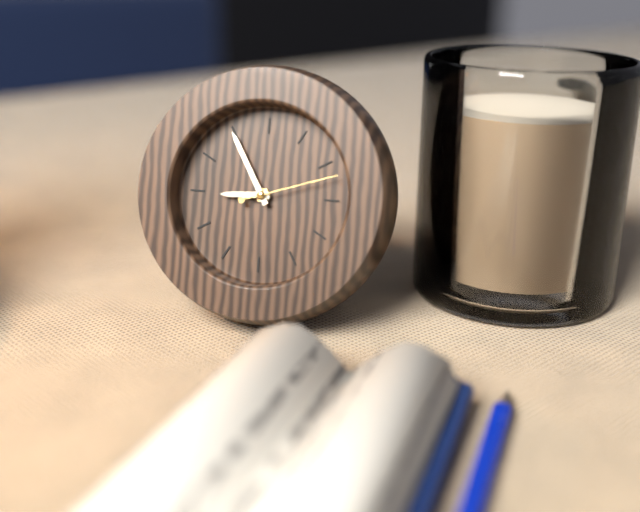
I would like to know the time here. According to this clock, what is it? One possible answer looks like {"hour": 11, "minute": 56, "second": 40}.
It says {"hour": 8, "minute": 55, "second": 12}
